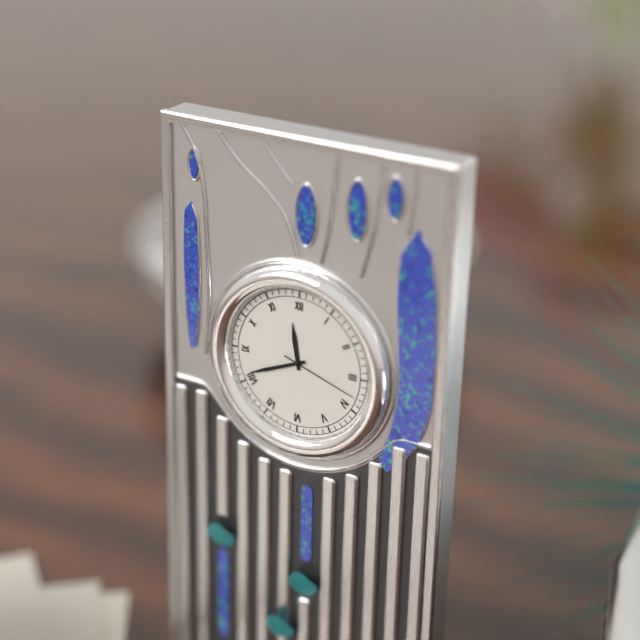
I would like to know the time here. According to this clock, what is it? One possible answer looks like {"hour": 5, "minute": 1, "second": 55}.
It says {"hour": 11, "minute": 41, "second": 18}
